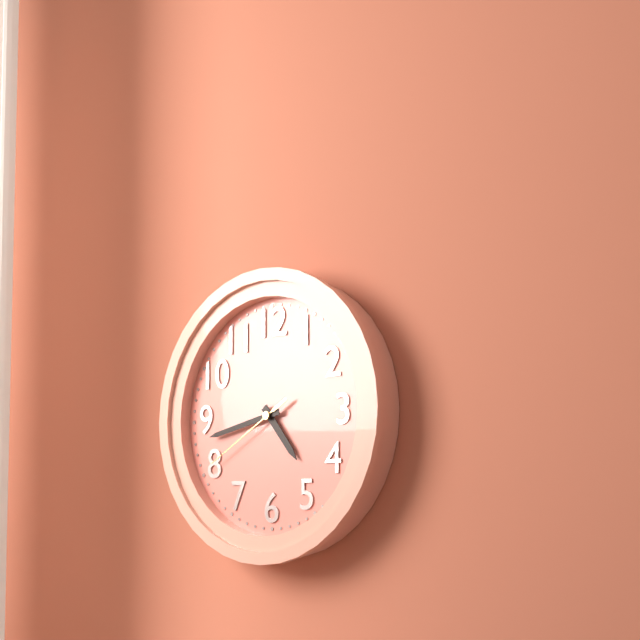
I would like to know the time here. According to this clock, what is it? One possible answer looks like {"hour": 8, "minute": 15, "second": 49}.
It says {"hour": 4, "minute": 43, "second": 40}
